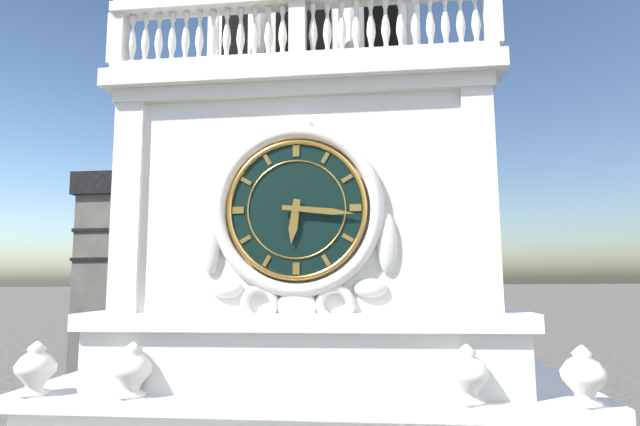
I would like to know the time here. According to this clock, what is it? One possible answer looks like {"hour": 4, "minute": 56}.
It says {"hour": 6, "minute": 16}
